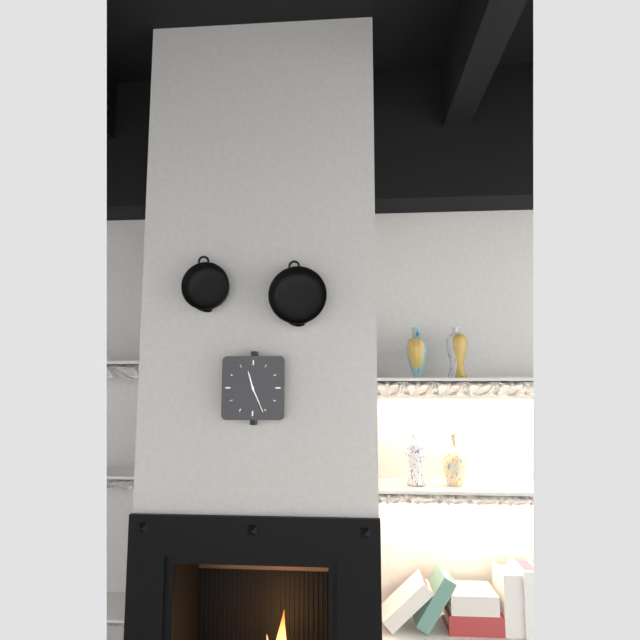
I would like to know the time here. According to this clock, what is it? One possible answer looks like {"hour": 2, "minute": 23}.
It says {"hour": 11, "minute": 26}
